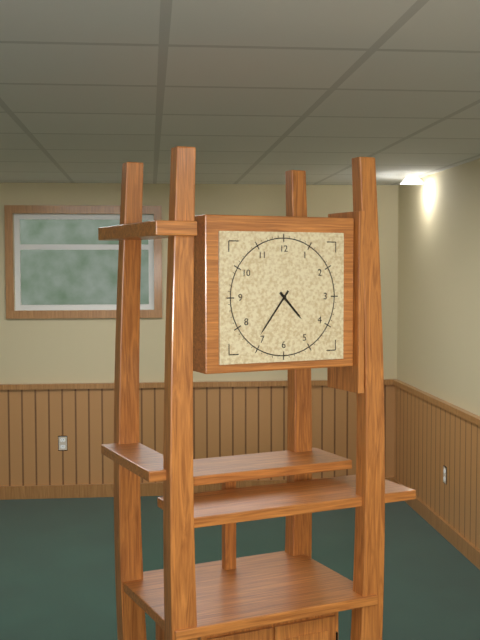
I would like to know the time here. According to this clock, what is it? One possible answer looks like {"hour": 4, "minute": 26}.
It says {"hour": 4, "minute": 36}
